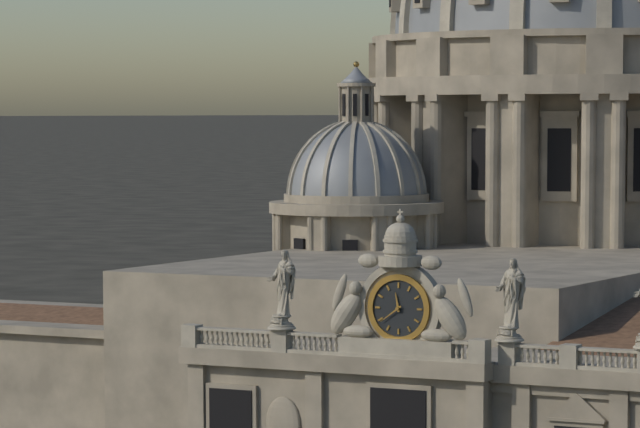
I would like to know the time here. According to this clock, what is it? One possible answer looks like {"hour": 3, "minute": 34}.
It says {"hour": 11, "minute": 39}
